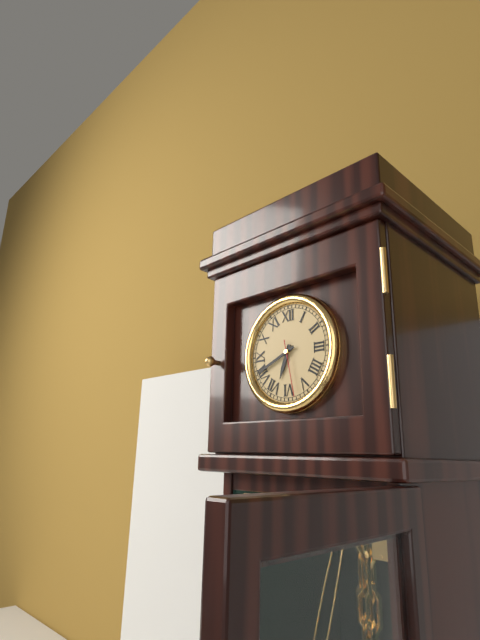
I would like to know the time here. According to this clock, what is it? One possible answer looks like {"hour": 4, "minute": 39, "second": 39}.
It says {"hour": 6, "minute": 41, "second": 28}
